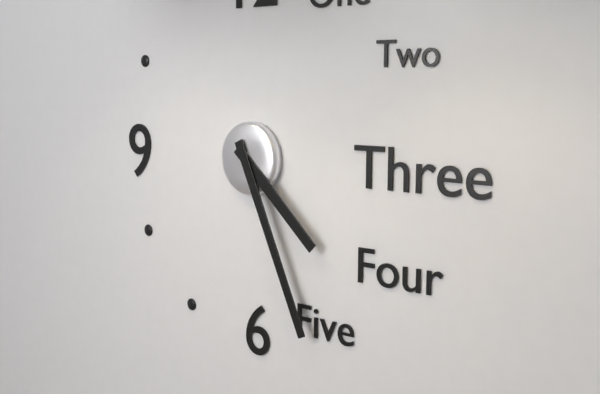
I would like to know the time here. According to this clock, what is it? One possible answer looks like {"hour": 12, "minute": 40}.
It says {"hour": 4, "minute": 26}
